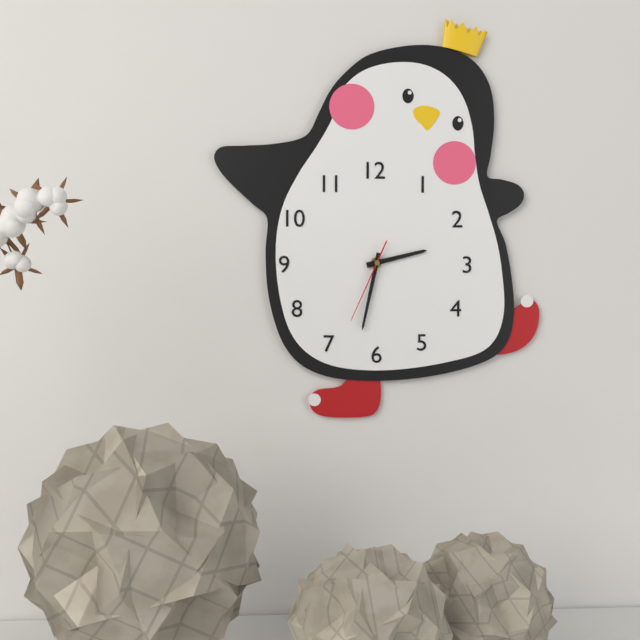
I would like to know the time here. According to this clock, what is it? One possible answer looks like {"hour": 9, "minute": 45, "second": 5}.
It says {"hour": 2, "minute": 32, "second": 34}
